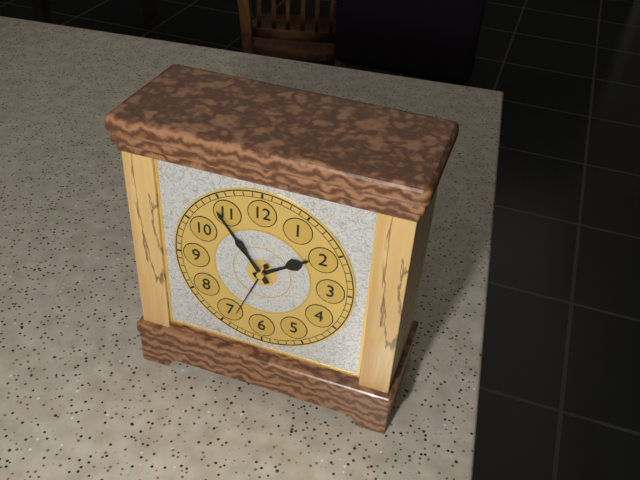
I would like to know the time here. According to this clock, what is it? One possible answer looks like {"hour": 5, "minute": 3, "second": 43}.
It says {"hour": 1, "minute": 54, "second": 34}
